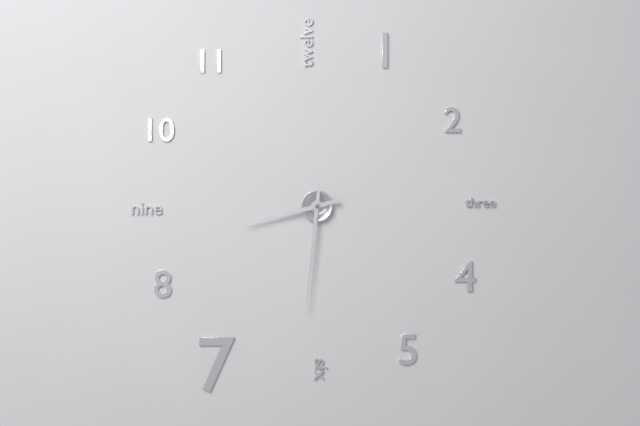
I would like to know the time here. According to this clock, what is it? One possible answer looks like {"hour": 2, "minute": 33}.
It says {"hour": 8, "minute": 31}
